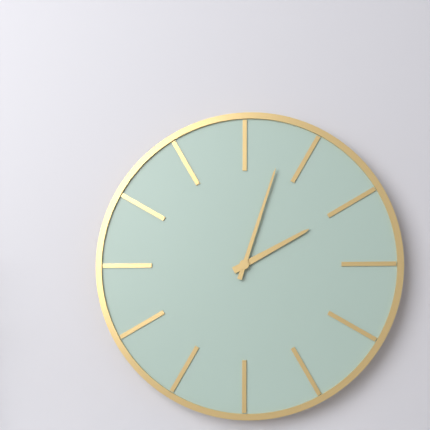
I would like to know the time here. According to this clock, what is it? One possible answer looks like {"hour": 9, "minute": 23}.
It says {"hour": 2, "minute": 3}
